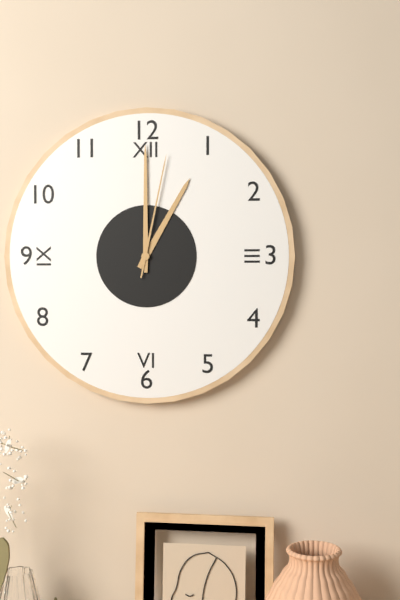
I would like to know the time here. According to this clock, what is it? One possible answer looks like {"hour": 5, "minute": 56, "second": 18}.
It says {"hour": 1, "minute": 0, "second": 2}
